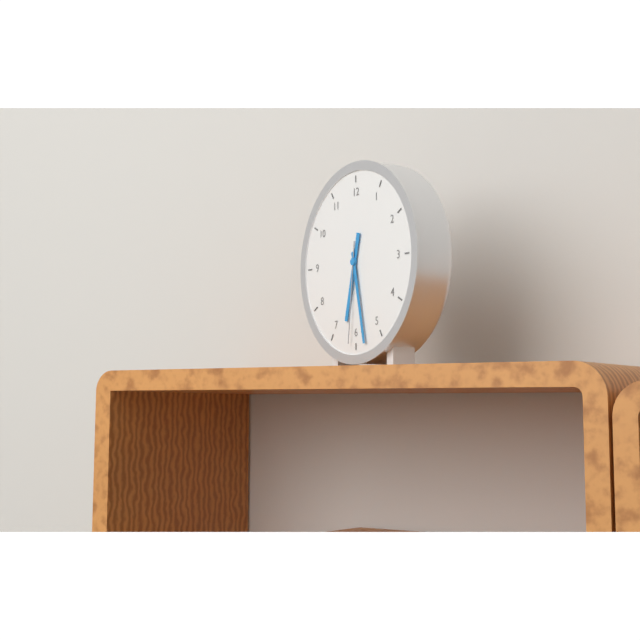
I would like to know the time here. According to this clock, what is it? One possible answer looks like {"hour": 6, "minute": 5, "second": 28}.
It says {"hour": 6, "minute": 28, "second": 31}
